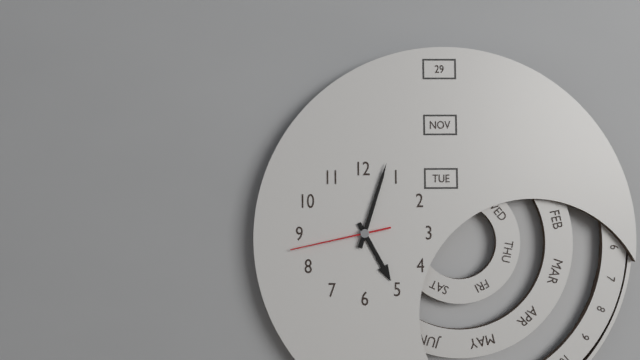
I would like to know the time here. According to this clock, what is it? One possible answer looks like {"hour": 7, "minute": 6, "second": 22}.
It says {"hour": 5, "minute": 3, "second": 43}
